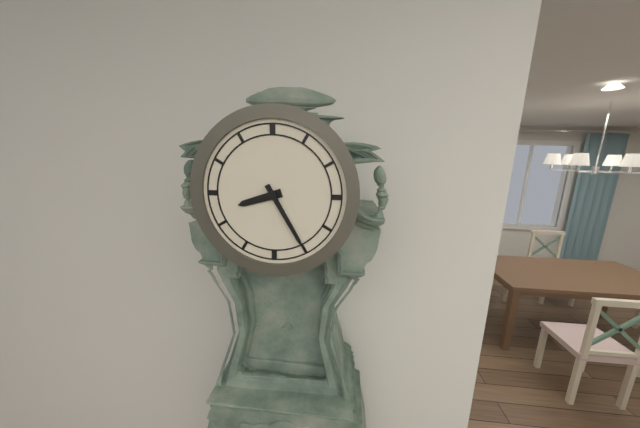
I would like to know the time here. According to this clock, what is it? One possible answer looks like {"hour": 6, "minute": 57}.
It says {"hour": 8, "minute": 25}
